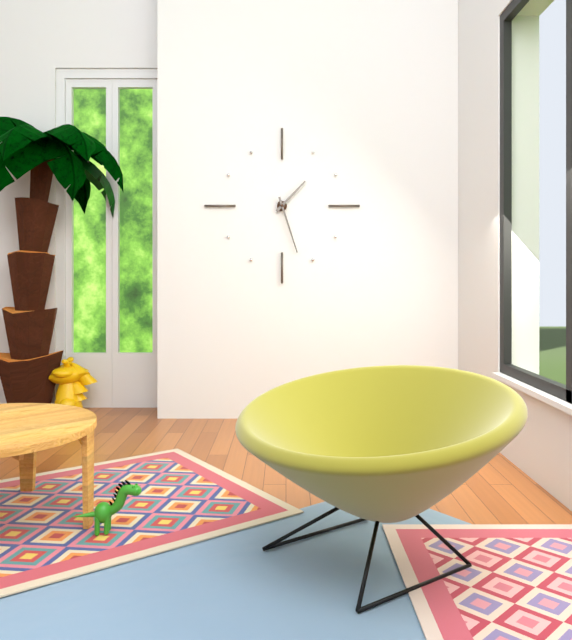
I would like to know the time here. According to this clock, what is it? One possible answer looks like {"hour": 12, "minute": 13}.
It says {"hour": 1, "minute": 27}
